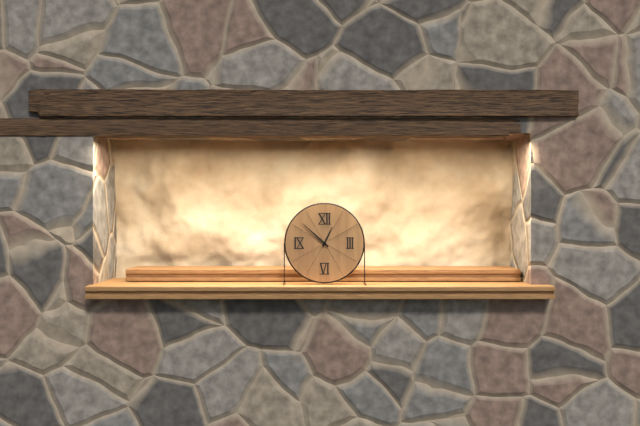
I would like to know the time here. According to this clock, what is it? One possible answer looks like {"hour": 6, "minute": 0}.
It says {"hour": 12, "minute": 52}
